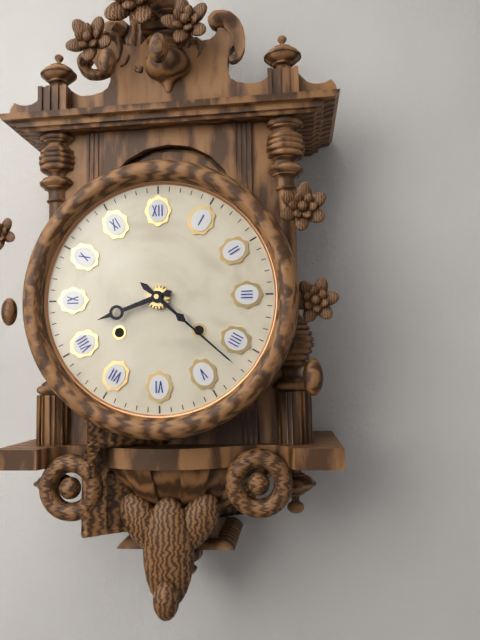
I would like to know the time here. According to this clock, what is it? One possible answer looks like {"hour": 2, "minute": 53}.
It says {"hour": 8, "minute": 22}
